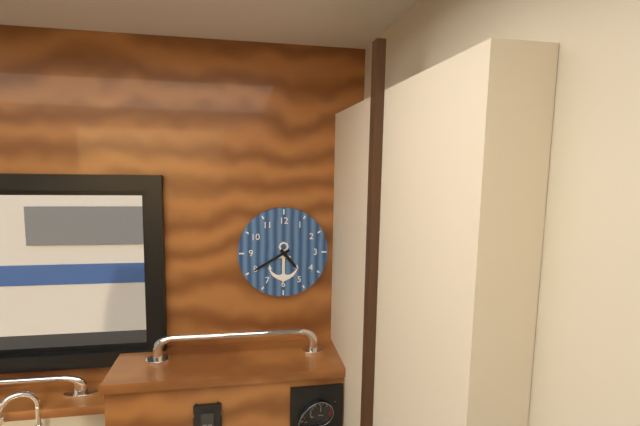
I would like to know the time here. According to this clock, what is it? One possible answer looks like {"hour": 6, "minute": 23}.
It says {"hour": 4, "minute": 40}
